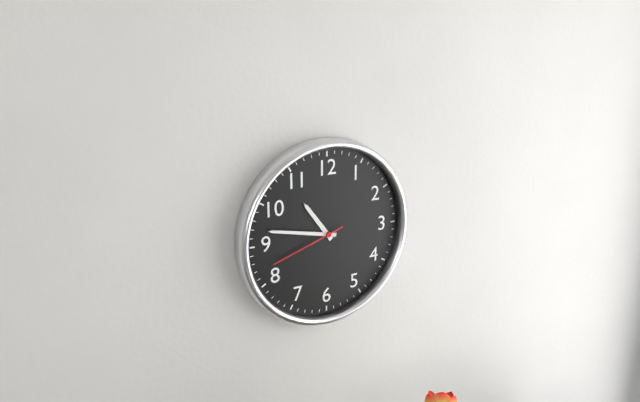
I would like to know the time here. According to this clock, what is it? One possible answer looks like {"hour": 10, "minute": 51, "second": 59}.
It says {"hour": 10, "minute": 47, "second": 42}
